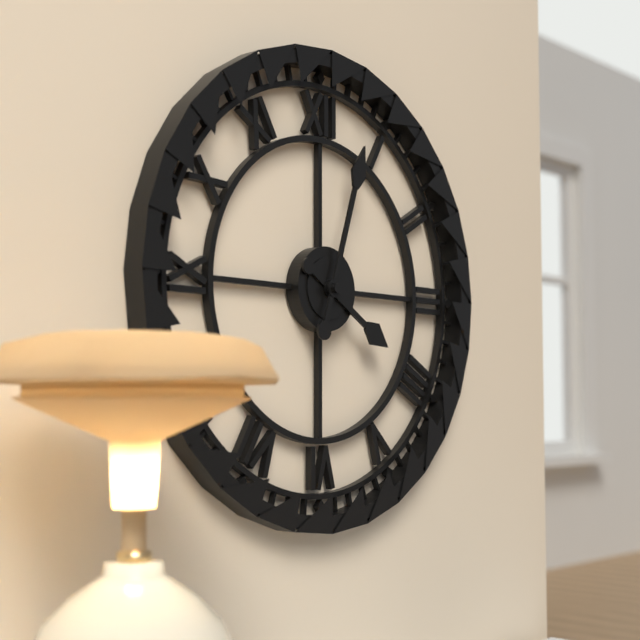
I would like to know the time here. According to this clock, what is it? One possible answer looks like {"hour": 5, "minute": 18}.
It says {"hour": 4, "minute": 3}
